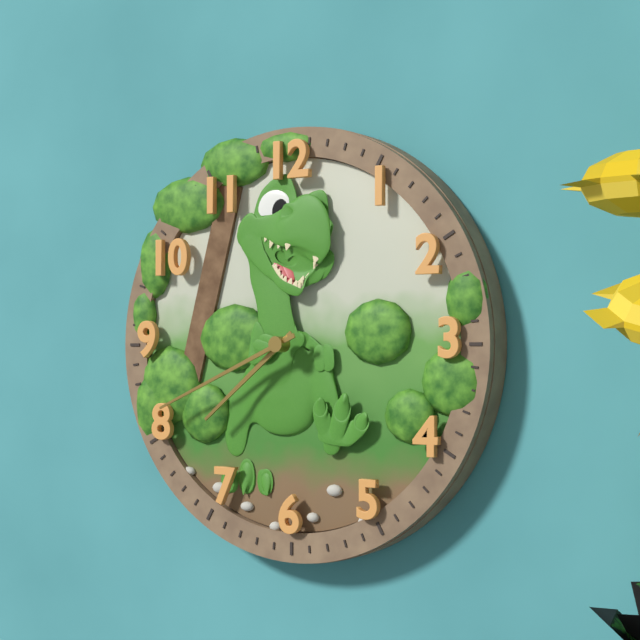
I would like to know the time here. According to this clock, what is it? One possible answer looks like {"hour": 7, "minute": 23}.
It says {"hour": 7, "minute": 41}
